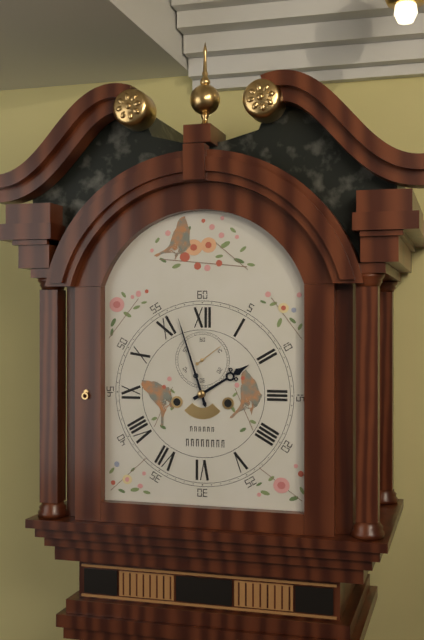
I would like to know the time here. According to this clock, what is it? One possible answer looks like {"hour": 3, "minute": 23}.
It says {"hour": 1, "minute": 57}
